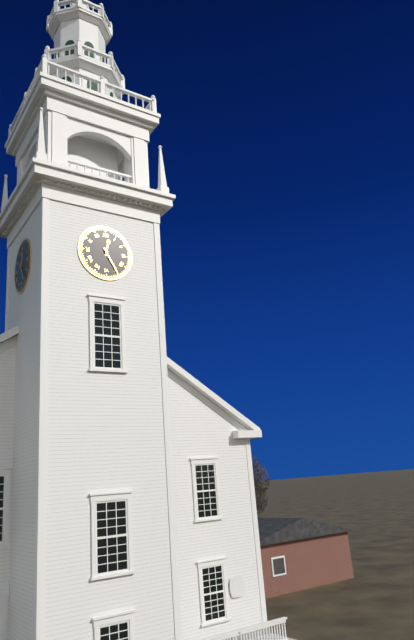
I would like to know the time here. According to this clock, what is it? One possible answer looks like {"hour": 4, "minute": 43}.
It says {"hour": 12, "minute": 25}
